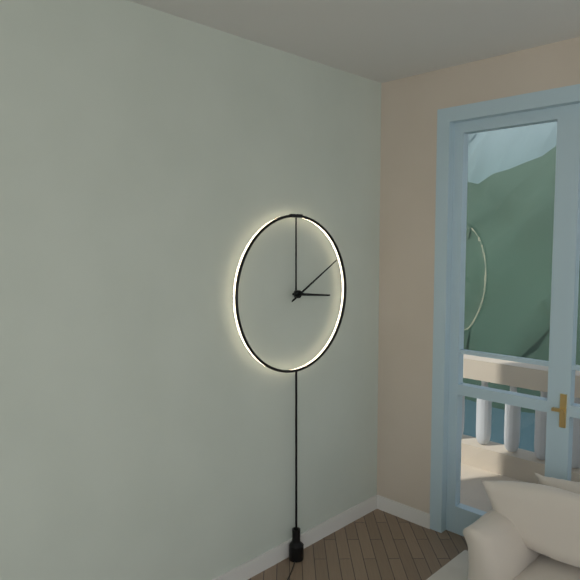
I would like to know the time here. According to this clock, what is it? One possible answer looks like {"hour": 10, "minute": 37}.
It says {"hour": 3, "minute": 10}
